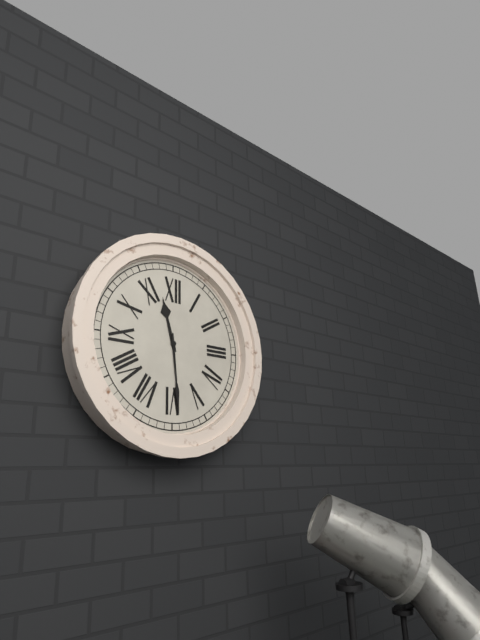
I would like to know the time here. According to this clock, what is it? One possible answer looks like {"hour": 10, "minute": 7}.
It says {"hour": 11, "minute": 29}
